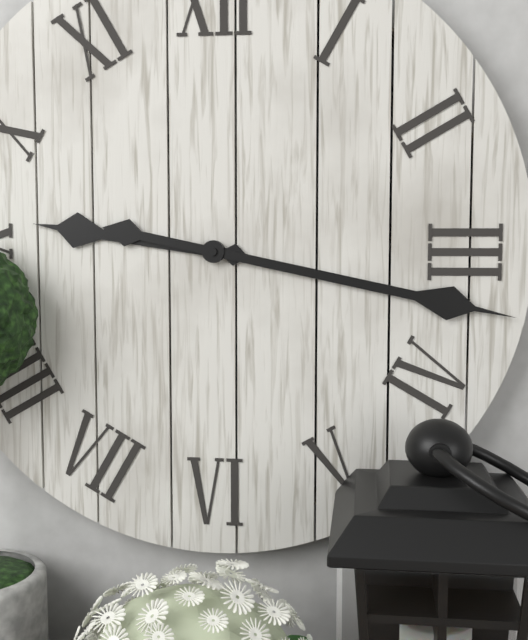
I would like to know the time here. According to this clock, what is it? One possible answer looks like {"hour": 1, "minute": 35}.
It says {"hour": 9, "minute": 17}
